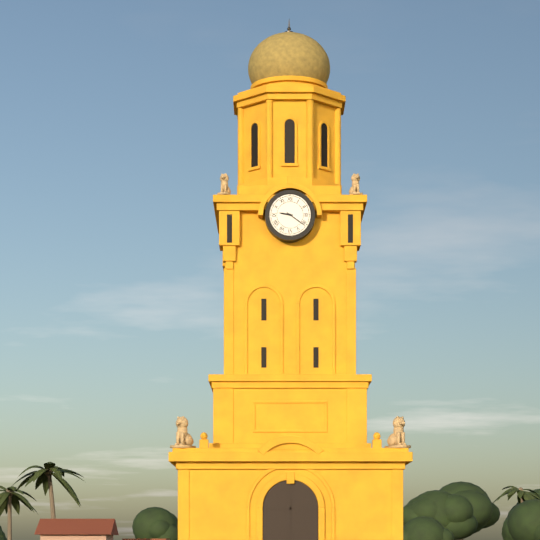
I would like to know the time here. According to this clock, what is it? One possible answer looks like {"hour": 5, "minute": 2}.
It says {"hour": 9, "minute": 21}
